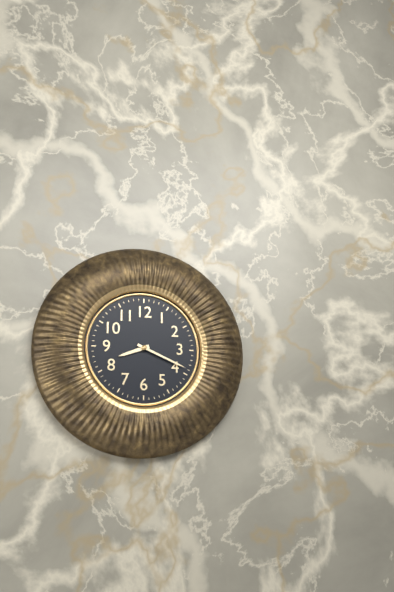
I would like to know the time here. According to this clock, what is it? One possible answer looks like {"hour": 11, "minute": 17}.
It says {"hour": 8, "minute": 19}
